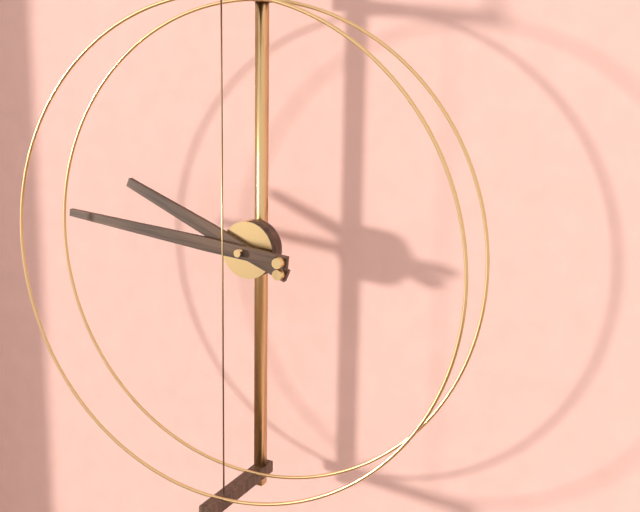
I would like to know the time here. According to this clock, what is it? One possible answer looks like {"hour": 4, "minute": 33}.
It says {"hour": 9, "minute": 46}
